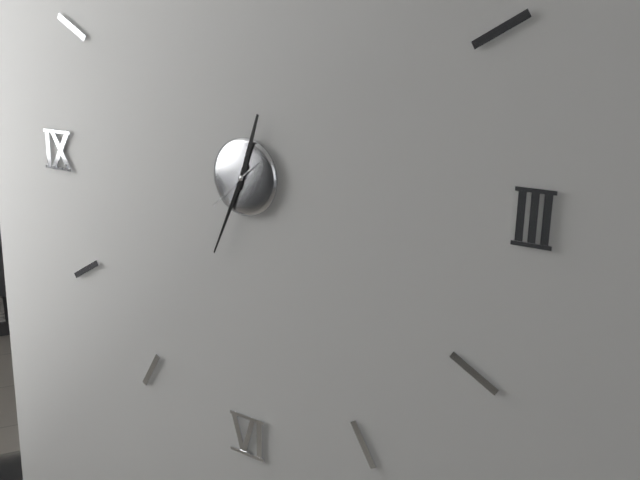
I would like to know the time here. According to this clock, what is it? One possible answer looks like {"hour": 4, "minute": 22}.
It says {"hour": 12, "minute": 34}
